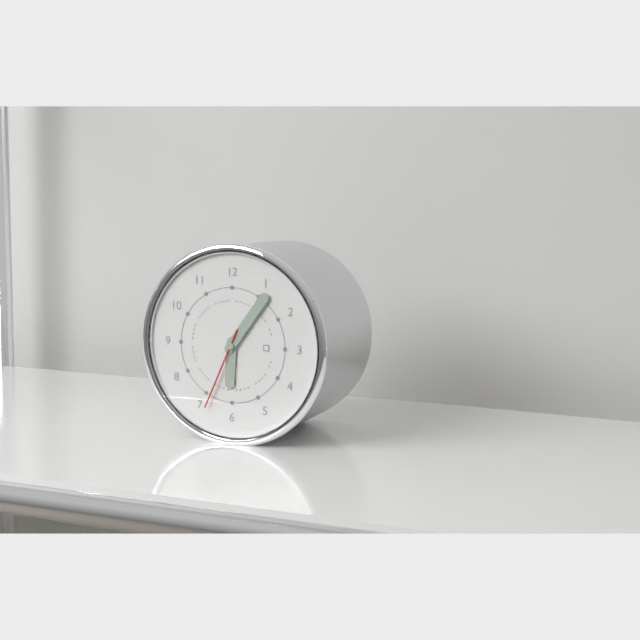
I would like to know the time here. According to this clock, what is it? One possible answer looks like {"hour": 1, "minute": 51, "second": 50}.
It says {"hour": 6, "minute": 6, "second": 34}
